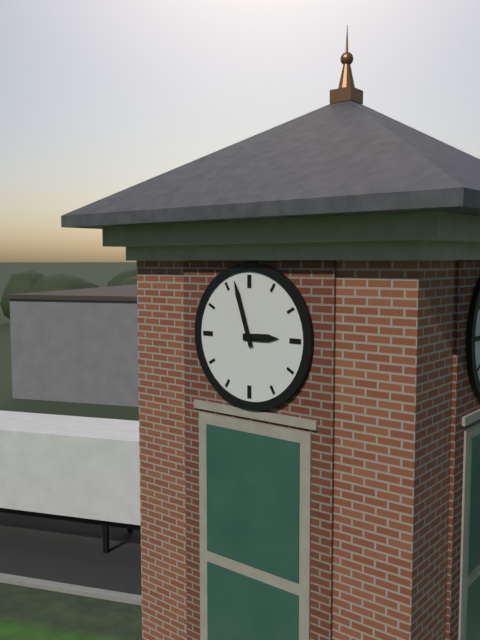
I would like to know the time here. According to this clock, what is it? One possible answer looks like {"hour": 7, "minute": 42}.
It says {"hour": 2, "minute": 57}
